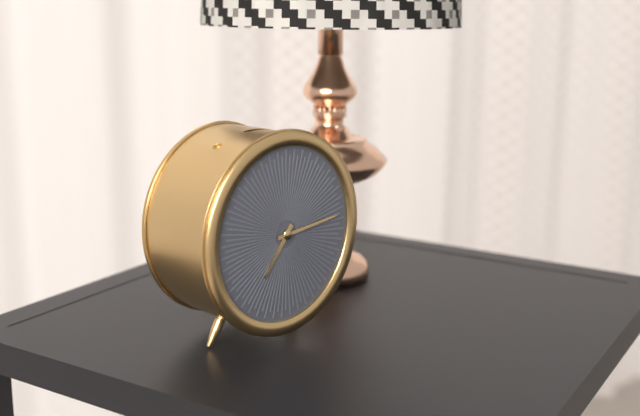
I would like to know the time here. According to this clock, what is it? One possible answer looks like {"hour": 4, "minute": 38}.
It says {"hour": 7, "minute": 14}
